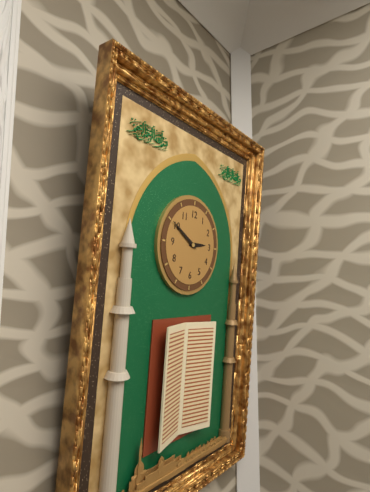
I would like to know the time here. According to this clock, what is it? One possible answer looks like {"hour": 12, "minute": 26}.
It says {"hour": 2, "minute": 50}
